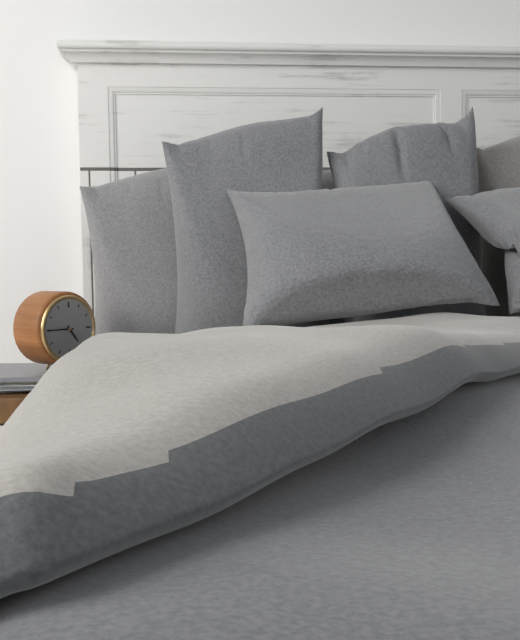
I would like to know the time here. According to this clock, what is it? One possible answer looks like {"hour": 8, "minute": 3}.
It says {"hour": 4, "minute": 45}
